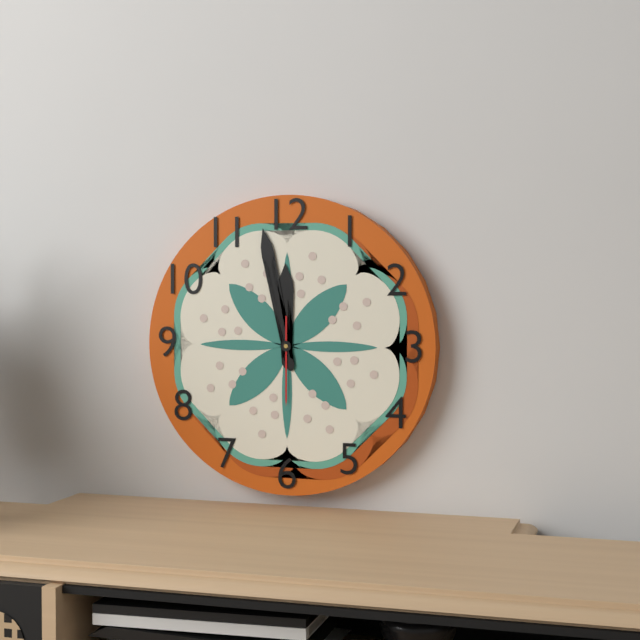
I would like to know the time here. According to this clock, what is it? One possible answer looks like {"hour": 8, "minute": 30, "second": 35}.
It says {"hour": 11, "minute": 58, "second": 30}
